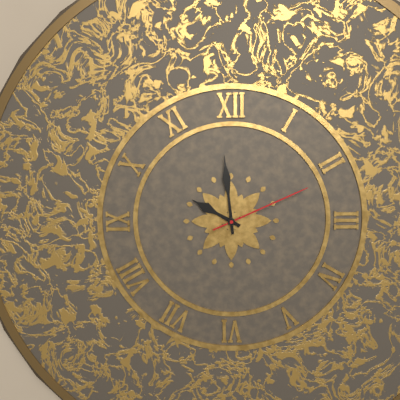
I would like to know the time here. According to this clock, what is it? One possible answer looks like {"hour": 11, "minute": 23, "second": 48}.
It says {"hour": 9, "minute": 59, "second": 11}
